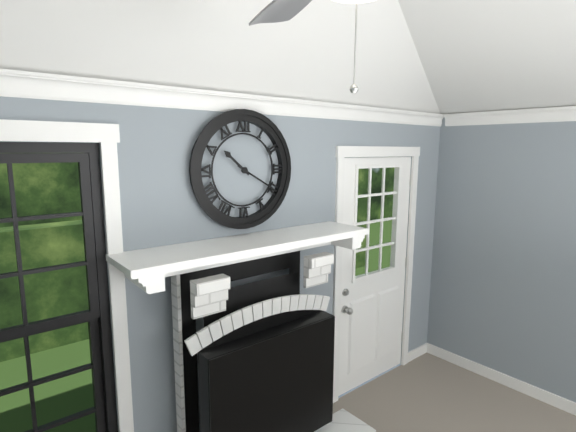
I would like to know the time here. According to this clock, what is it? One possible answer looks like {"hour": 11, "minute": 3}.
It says {"hour": 10, "minute": 20}
